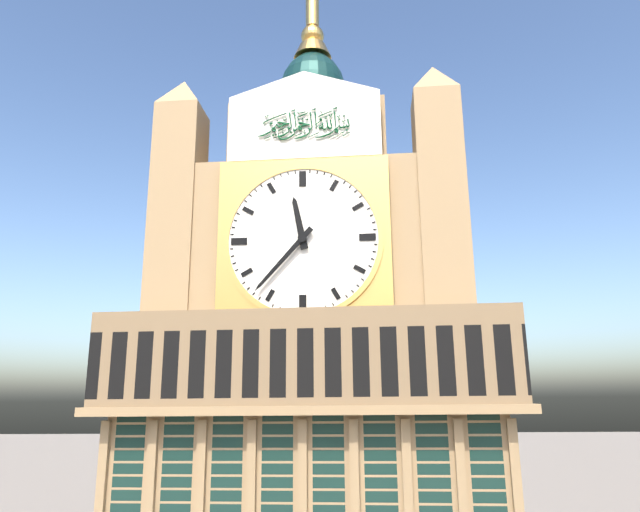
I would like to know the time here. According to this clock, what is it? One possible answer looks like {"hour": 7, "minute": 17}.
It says {"hour": 11, "minute": 37}
